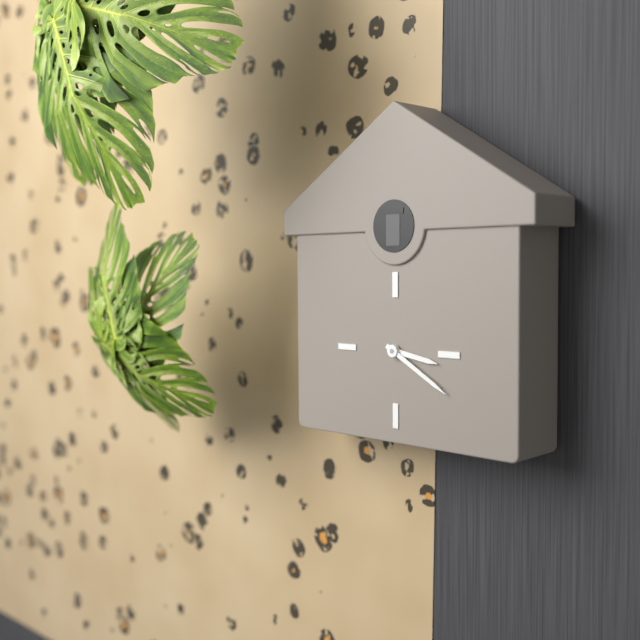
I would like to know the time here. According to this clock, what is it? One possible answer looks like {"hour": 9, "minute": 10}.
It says {"hour": 3, "minute": 20}
